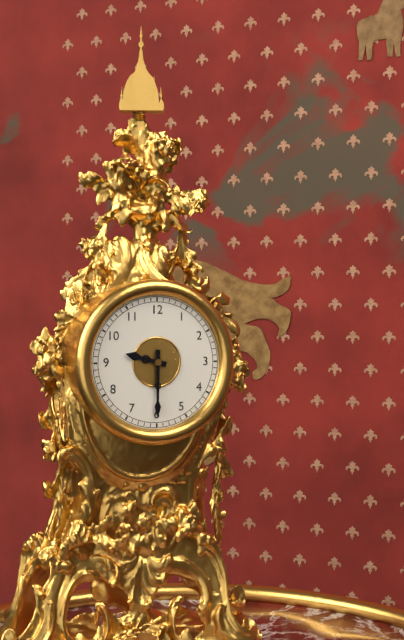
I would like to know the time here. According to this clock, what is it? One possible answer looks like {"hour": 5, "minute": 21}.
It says {"hour": 9, "minute": 30}
